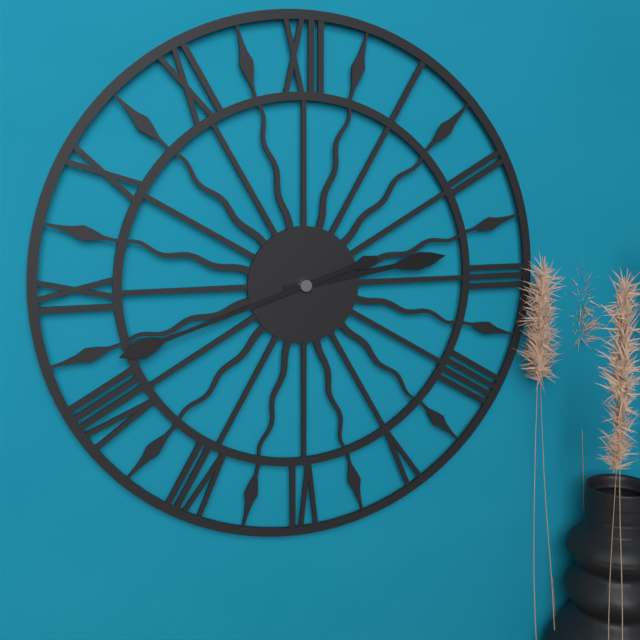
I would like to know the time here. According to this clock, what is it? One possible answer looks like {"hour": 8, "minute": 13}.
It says {"hour": 2, "minute": 42}
